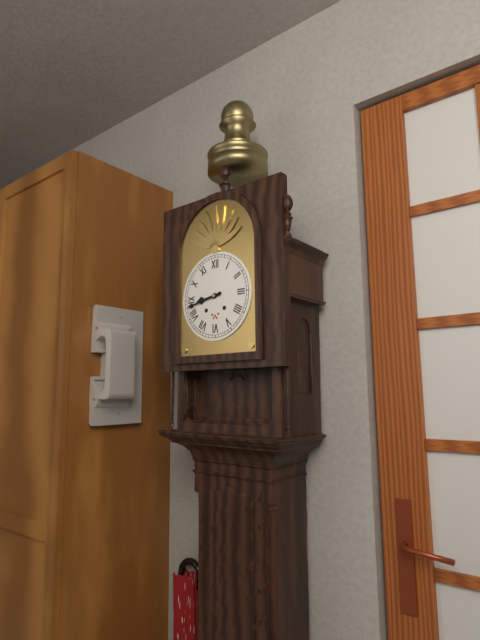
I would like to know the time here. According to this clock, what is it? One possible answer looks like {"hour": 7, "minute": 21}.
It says {"hour": 8, "minute": 43}
